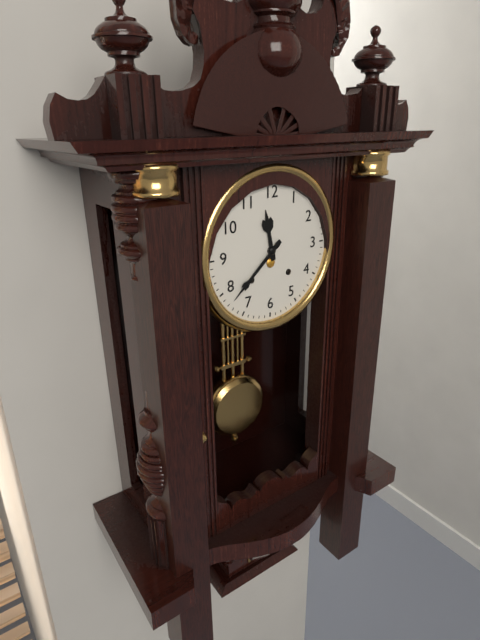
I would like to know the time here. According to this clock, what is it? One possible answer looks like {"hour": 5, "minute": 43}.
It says {"hour": 11, "minute": 38}
